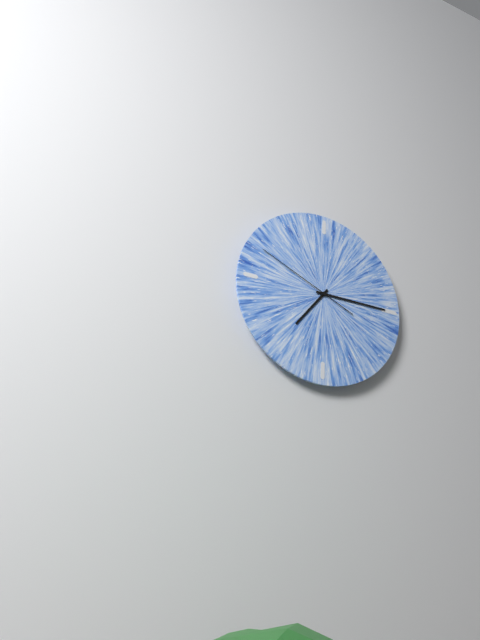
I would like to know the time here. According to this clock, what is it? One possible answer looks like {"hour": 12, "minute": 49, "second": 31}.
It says {"hour": 7, "minute": 15, "second": 49}
